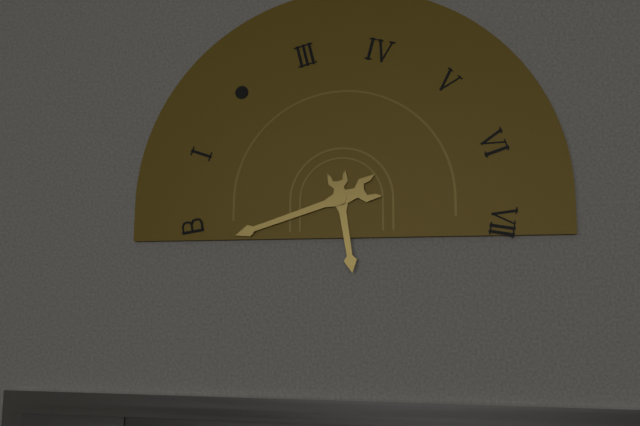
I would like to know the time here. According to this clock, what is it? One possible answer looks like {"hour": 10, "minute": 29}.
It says {"hour": 5, "minute": 42}
